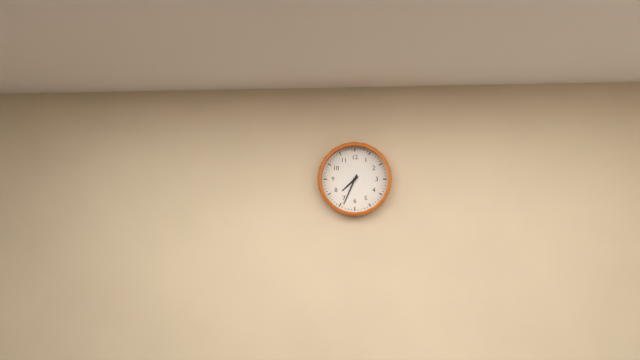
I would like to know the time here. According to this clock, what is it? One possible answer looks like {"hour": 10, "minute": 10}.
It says {"hour": 7, "minute": 34}
